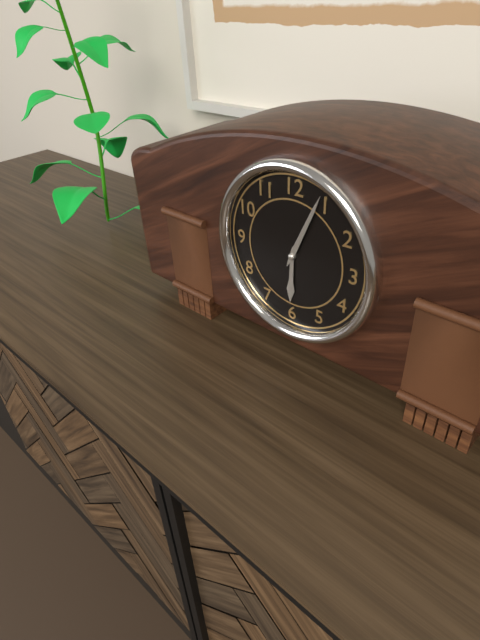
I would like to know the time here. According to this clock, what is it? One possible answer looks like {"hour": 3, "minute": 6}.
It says {"hour": 6, "minute": 4}
